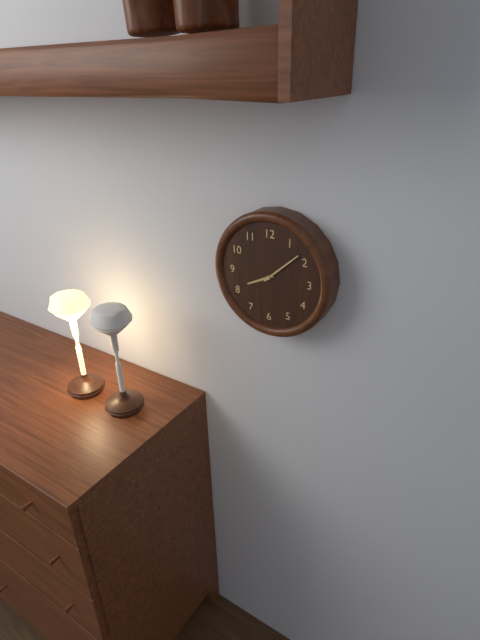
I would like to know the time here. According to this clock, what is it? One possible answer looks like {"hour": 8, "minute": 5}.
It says {"hour": 8, "minute": 8}
